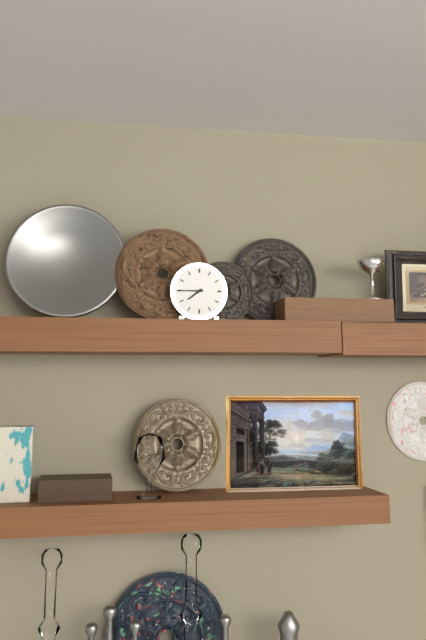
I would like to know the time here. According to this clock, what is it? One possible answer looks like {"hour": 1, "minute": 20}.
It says {"hour": 7, "minute": 45}
